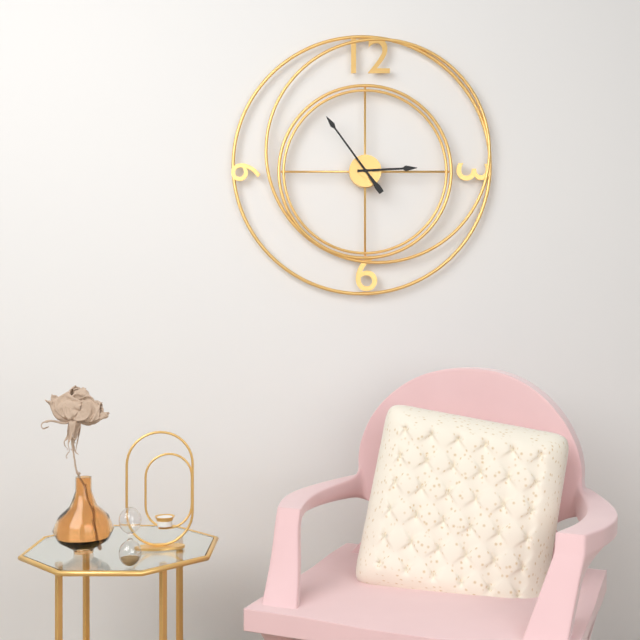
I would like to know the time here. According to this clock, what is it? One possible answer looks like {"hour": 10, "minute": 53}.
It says {"hour": 2, "minute": 54}
